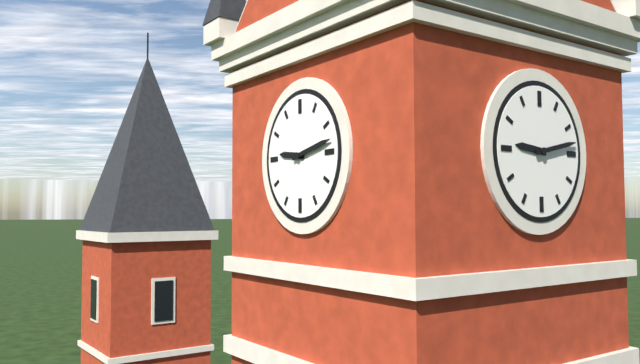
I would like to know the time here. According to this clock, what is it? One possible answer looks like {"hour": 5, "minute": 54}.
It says {"hour": 9, "minute": 13}
